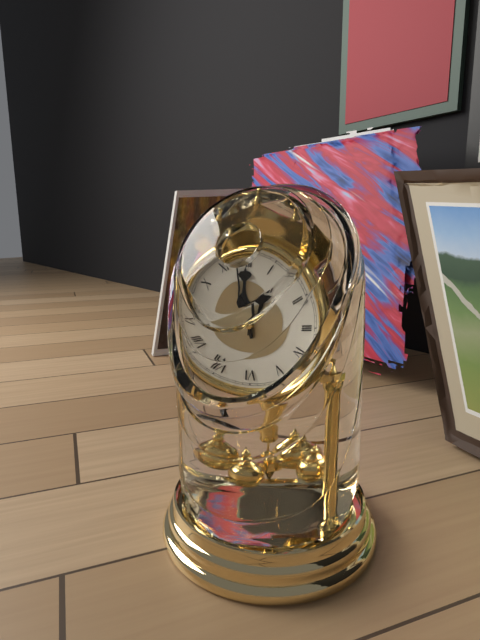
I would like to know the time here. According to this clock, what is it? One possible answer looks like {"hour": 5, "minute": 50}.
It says {"hour": 11, "minute": 58}
